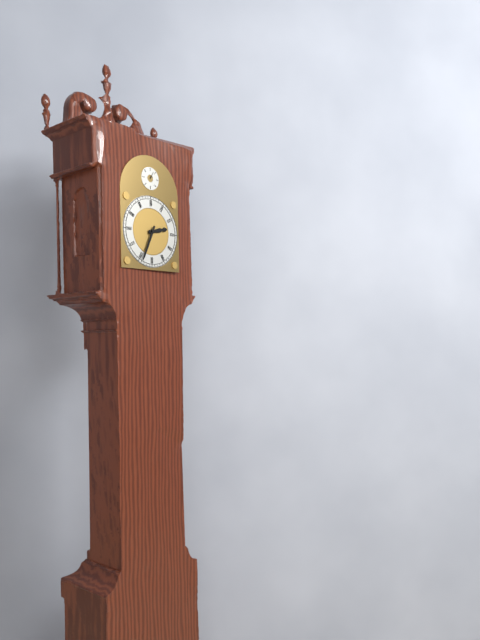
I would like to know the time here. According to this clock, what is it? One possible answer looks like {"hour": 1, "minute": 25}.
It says {"hour": 2, "minute": 34}
